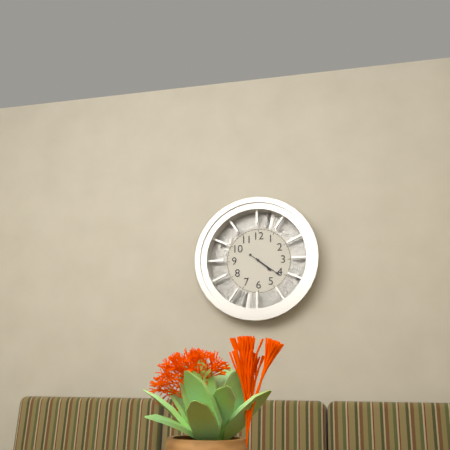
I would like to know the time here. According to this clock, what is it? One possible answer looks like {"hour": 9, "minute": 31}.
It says {"hour": 4, "minute": 21}
